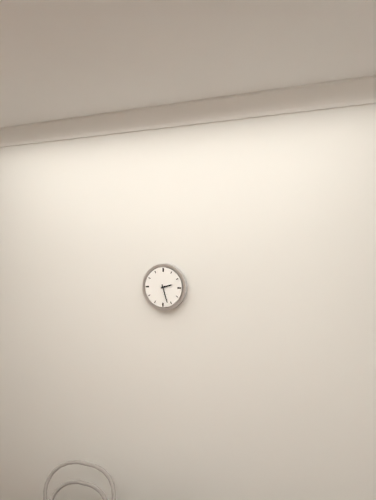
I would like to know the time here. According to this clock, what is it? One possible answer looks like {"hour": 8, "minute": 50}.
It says {"hour": 2, "minute": 27}
